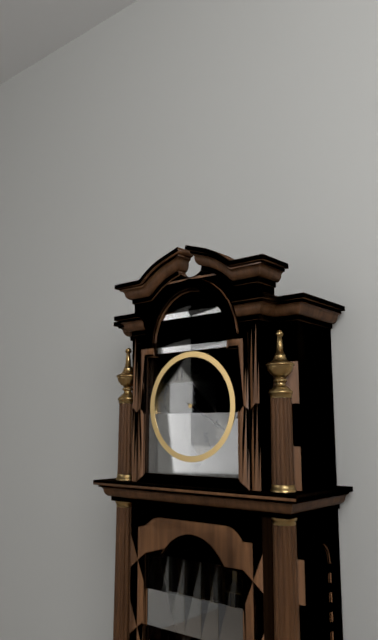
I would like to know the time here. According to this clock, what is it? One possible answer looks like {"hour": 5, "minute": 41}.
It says {"hour": 10, "minute": 20}
